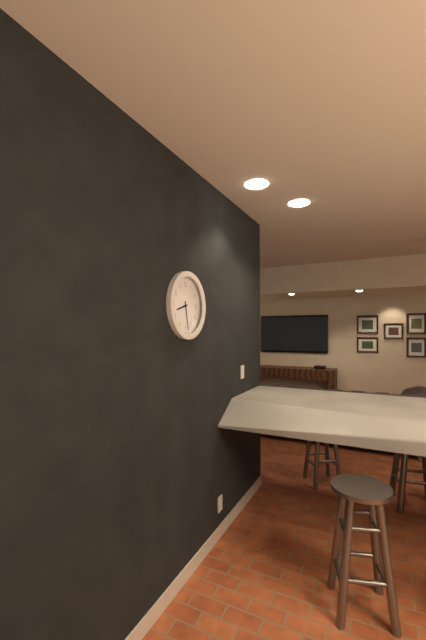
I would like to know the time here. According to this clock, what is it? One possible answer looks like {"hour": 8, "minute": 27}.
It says {"hour": 8, "minute": 28}
